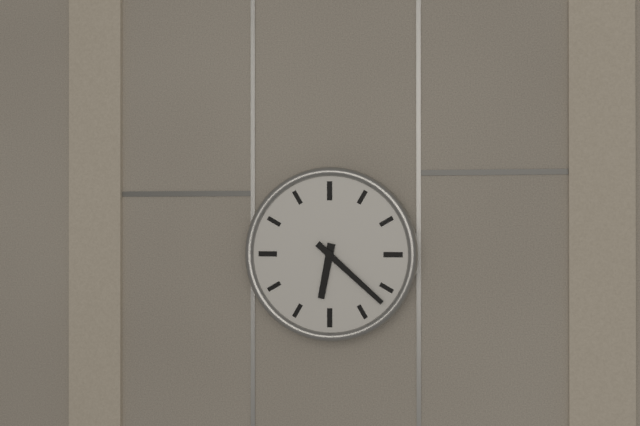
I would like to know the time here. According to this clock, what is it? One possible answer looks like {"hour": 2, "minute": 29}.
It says {"hour": 6, "minute": 22}
